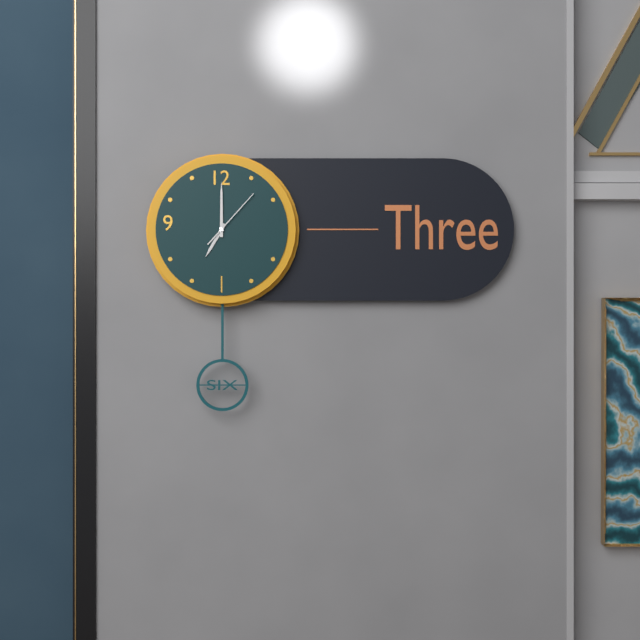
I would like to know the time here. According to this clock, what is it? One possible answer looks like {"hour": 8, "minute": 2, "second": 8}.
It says {"hour": 7, "minute": 0, "second": 7}
